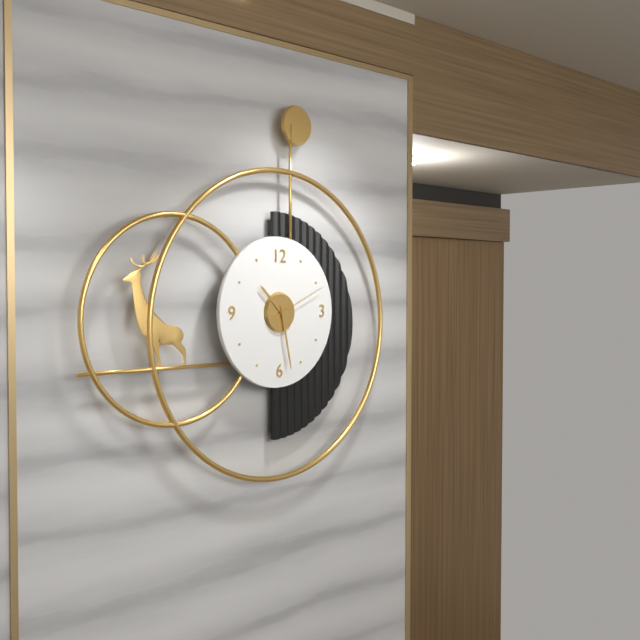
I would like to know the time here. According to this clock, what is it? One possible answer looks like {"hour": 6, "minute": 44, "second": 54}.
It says {"hour": 10, "minute": 28, "second": 11}
